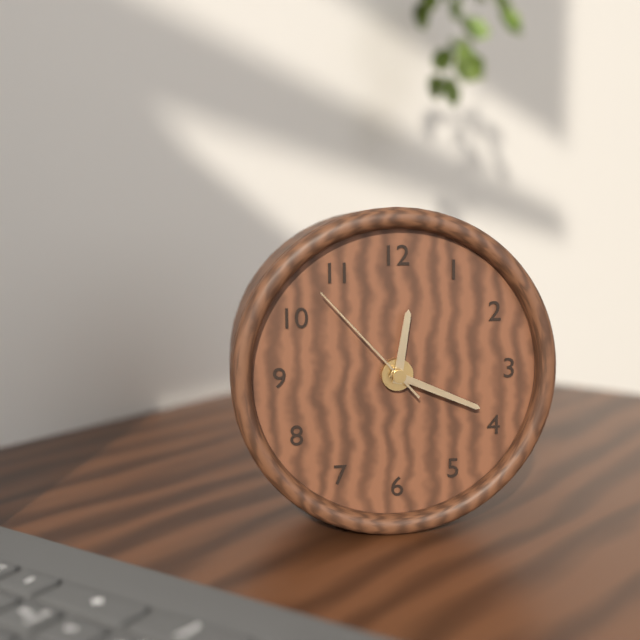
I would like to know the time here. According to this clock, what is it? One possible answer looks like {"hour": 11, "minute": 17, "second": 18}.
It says {"hour": 12, "minute": 19, "second": 53}
